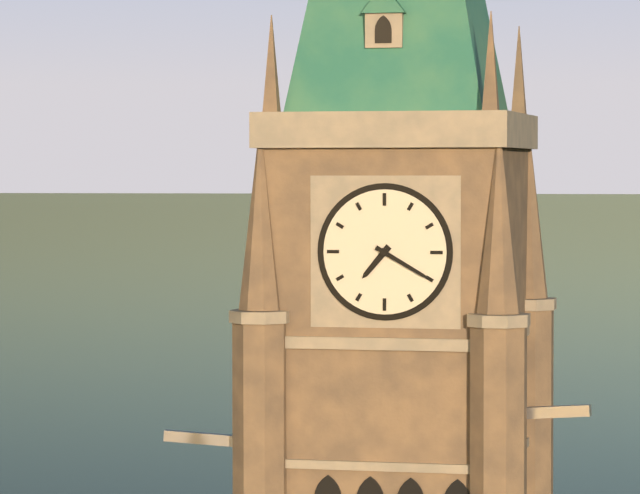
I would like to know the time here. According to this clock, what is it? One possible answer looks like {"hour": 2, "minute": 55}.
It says {"hour": 7, "minute": 20}
